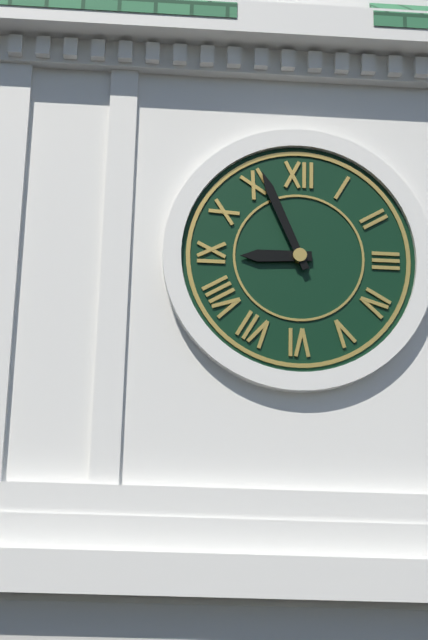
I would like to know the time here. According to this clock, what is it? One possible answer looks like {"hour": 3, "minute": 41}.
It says {"hour": 8, "minute": 56}
